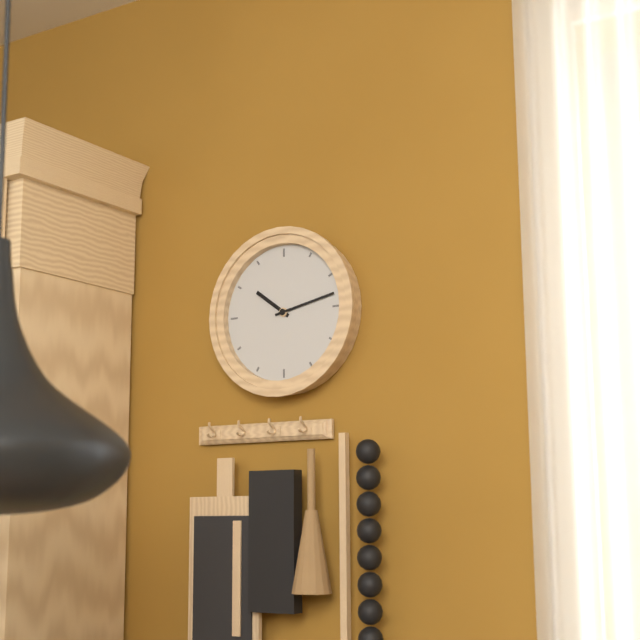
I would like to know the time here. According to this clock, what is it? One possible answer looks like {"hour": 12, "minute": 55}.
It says {"hour": 10, "minute": 13}
